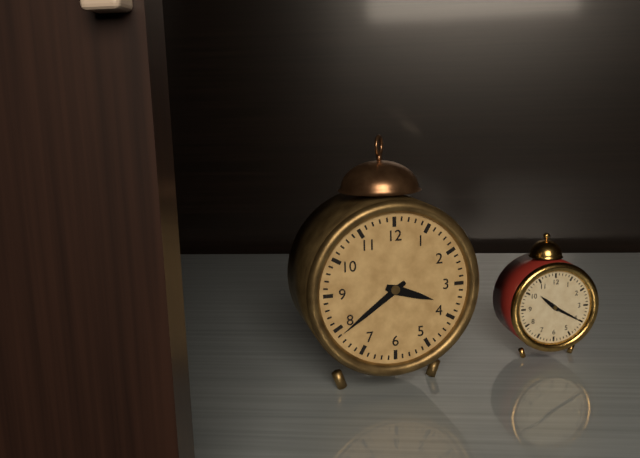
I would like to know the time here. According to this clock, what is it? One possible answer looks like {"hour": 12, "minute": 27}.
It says {"hour": 3, "minute": 39}
